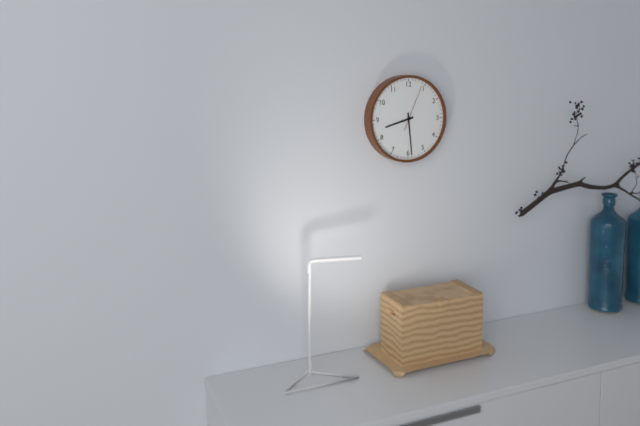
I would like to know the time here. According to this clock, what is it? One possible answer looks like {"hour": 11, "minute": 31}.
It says {"hour": 8, "minute": 29}
